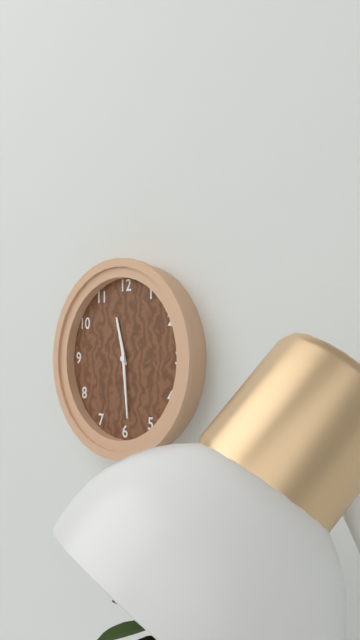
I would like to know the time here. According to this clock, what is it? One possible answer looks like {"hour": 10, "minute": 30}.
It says {"hour": 11, "minute": 29}
